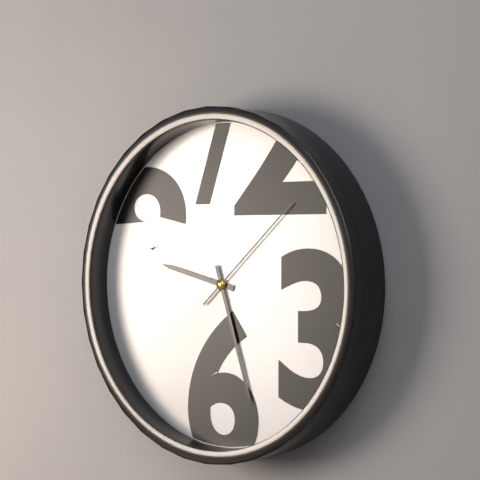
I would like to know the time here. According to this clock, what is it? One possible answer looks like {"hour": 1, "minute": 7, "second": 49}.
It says {"hour": 9, "minute": 27, "second": 8}
